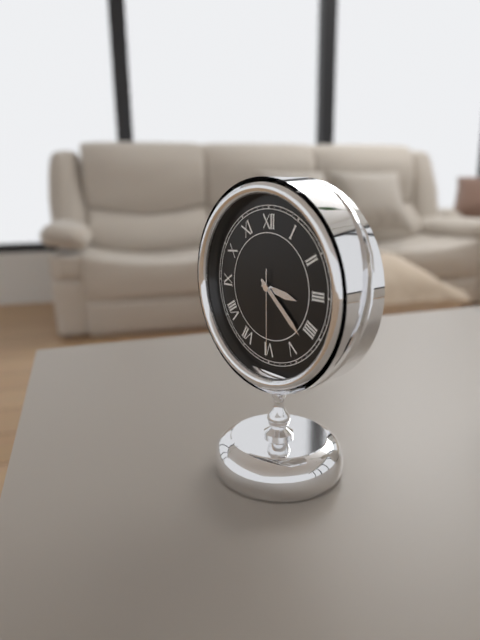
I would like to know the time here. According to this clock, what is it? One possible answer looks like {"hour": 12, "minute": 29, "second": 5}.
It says {"hour": 3, "minute": 22, "second": 30}
